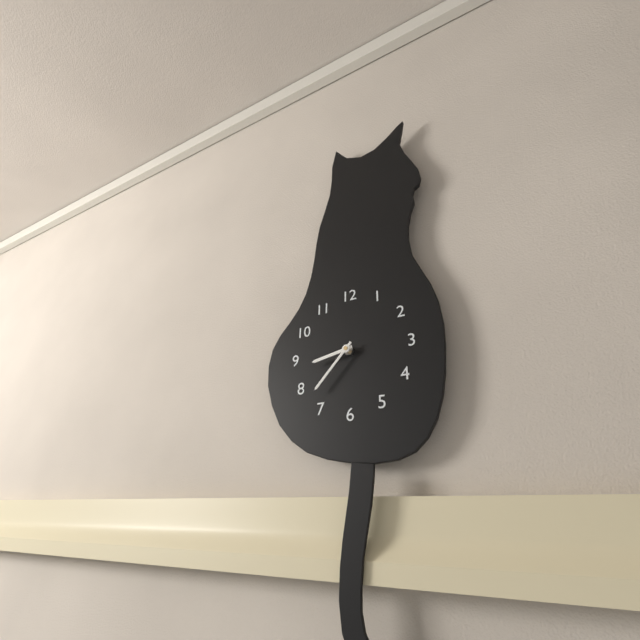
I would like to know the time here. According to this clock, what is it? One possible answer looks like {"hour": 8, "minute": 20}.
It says {"hour": 8, "minute": 37}
